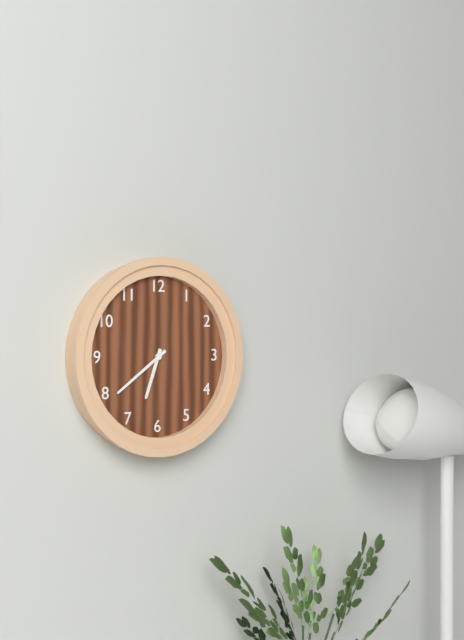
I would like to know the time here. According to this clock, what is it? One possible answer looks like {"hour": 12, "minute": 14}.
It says {"hour": 6, "minute": 39}
